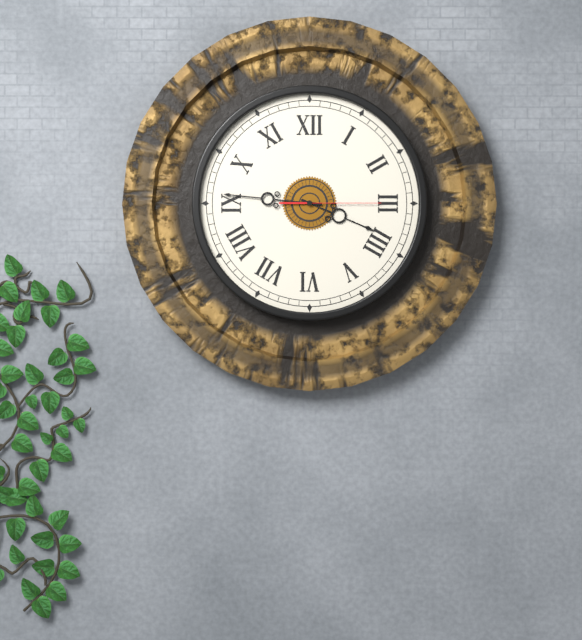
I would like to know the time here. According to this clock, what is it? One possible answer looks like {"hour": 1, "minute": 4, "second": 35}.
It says {"hour": 3, "minute": 46, "second": 15}
